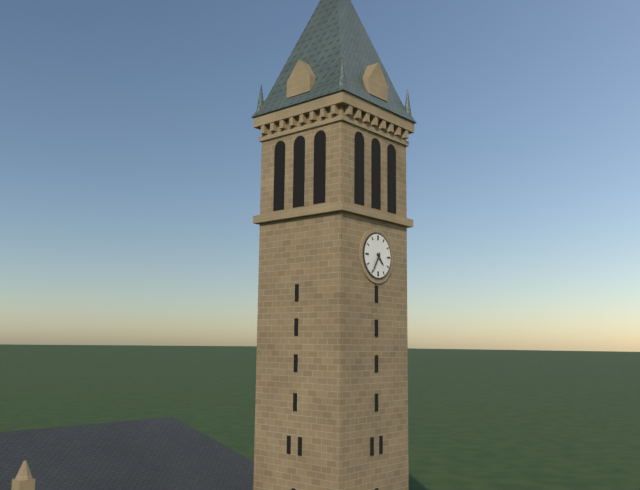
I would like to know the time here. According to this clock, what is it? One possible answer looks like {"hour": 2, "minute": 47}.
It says {"hour": 4, "minute": 35}
